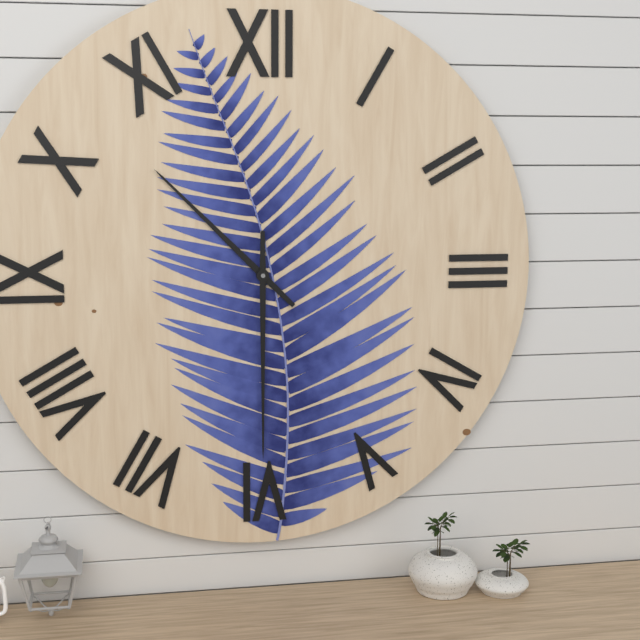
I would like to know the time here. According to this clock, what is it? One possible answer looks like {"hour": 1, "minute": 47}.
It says {"hour": 10, "minute": 30}
